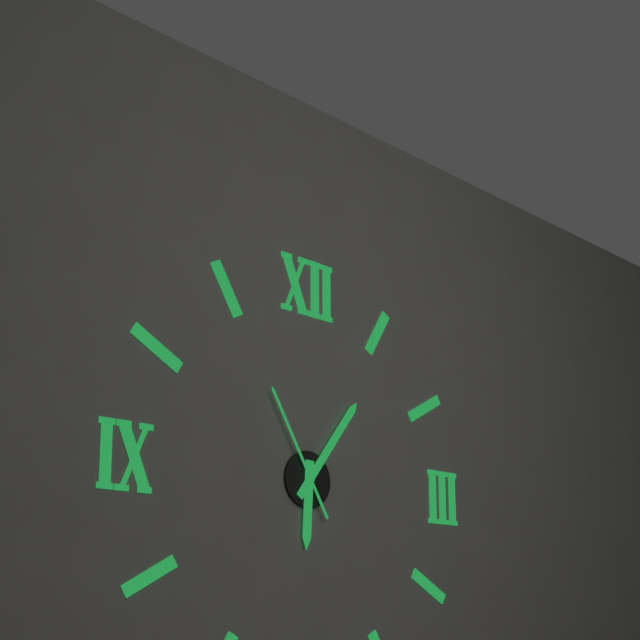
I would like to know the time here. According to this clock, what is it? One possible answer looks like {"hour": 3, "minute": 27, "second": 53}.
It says {"hour": 6, "minute": 6, "second": 55}
